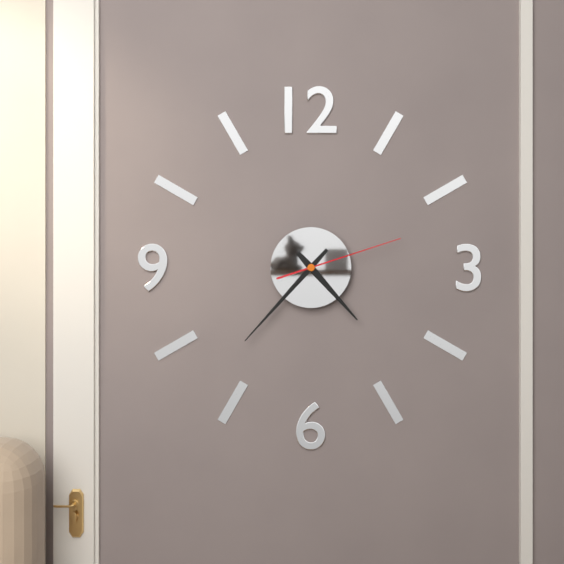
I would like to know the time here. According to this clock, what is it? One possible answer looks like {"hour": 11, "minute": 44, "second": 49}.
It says {"hour": 4, "minute": 37, "second": 12}
